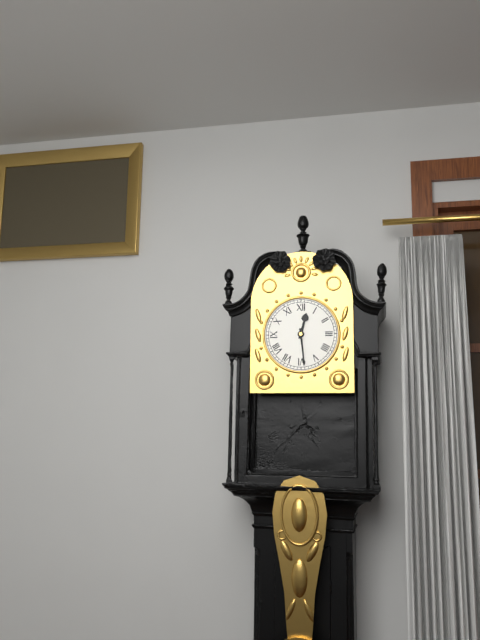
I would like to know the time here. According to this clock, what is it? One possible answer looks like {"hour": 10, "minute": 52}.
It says {"hour": 12, "minute": 29}
